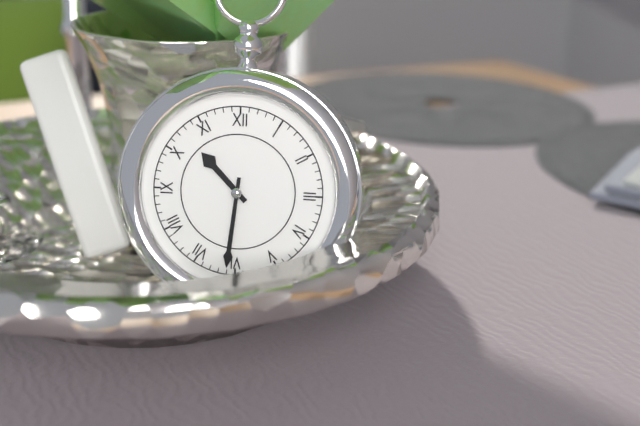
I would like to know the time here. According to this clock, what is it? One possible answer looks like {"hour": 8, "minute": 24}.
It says {"hour": 10, "minute": 31}
